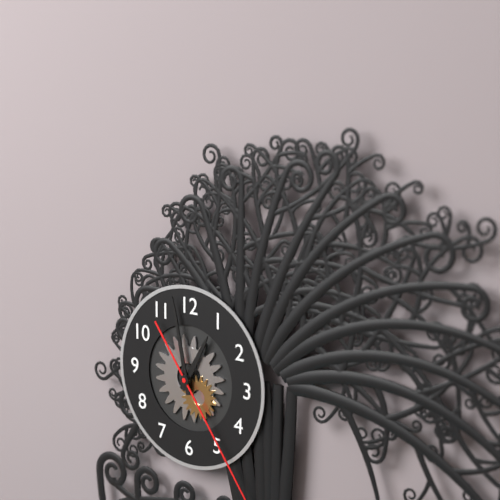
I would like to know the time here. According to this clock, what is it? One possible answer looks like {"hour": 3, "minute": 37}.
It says {"hour": 12, "minute": 58}
